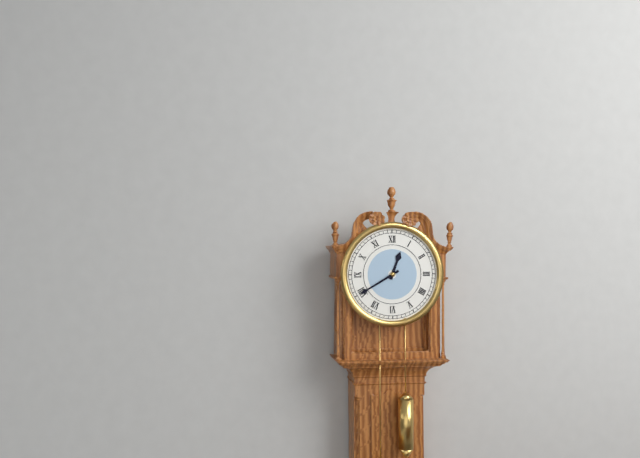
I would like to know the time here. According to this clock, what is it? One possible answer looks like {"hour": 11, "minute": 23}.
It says {"hour": 12, "minute": 40}
